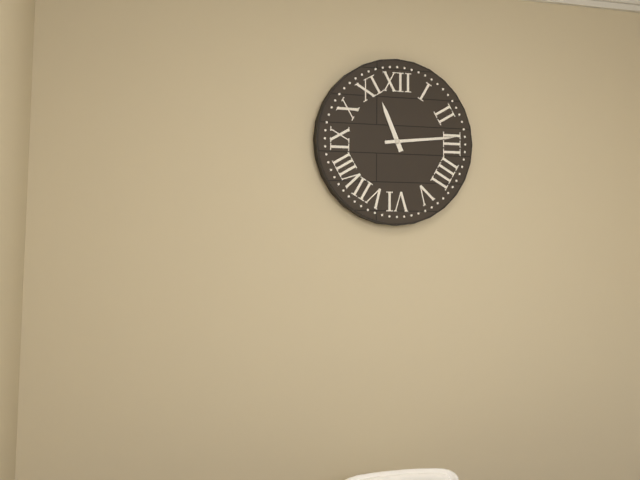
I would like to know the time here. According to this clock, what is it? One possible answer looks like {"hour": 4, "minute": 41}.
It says {"hour": 11, "minute": 14}
